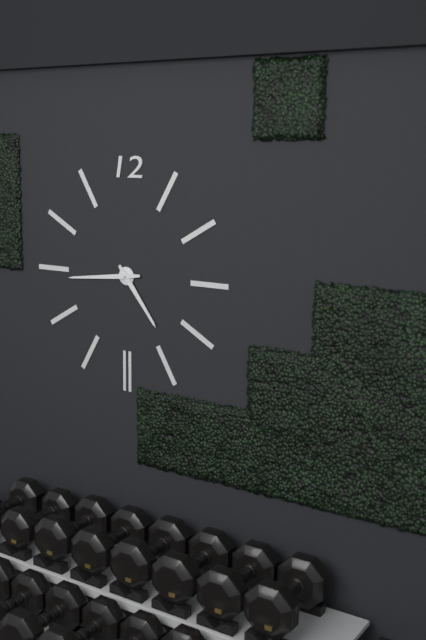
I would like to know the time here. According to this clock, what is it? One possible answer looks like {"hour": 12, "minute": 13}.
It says {"hour": 4, "minute": 44}
